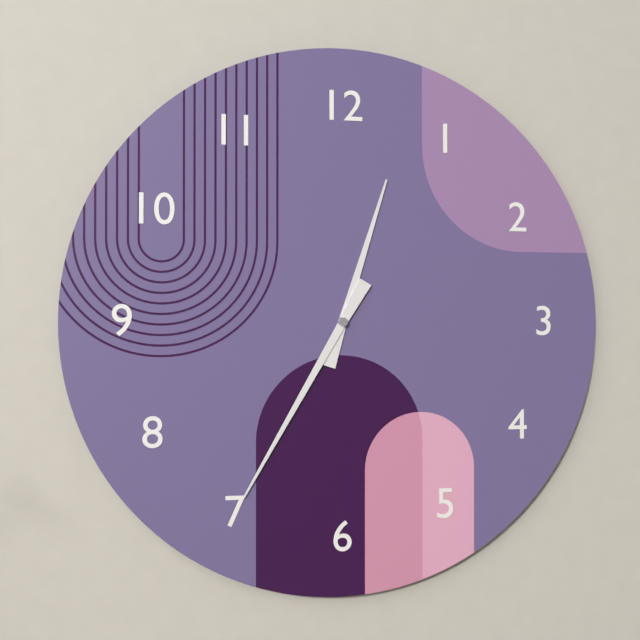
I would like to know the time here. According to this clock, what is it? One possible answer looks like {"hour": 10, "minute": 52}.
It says {"hour": 12, "minute": 35}
